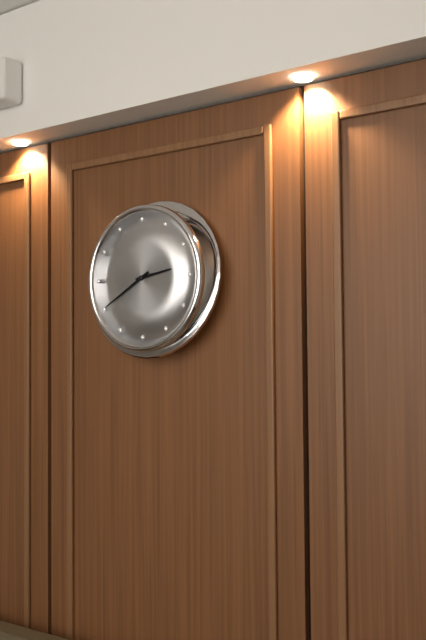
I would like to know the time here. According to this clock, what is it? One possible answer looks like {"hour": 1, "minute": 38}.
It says {"hour": 2, "minute": 40}
